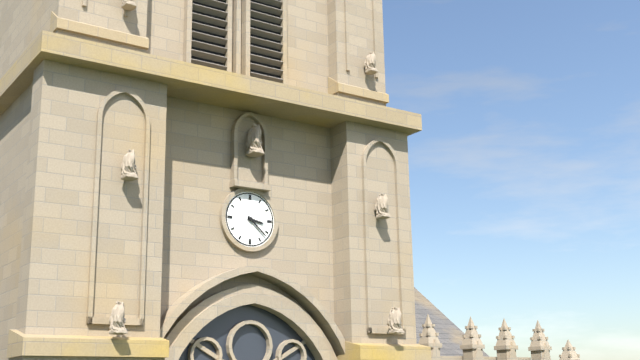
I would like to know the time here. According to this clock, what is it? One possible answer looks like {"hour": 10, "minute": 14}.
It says {"hour": 3, "minute": 22}
